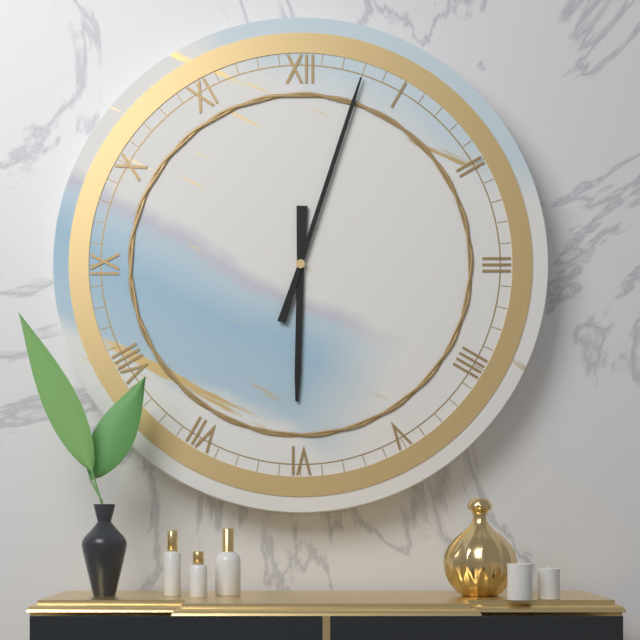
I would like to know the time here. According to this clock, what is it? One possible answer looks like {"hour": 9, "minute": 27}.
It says {"hour": 6, "minute": 3}
